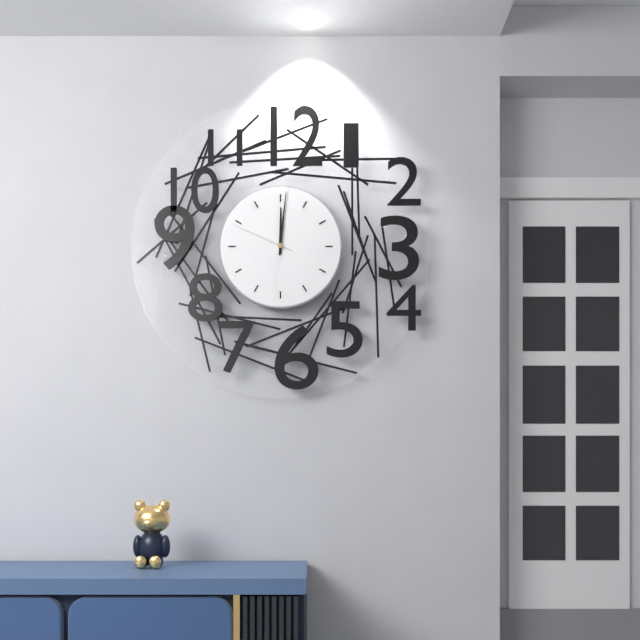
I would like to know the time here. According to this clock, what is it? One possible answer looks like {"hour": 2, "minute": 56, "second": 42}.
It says {"hour": 12, "minute": 1, "second": 49}
